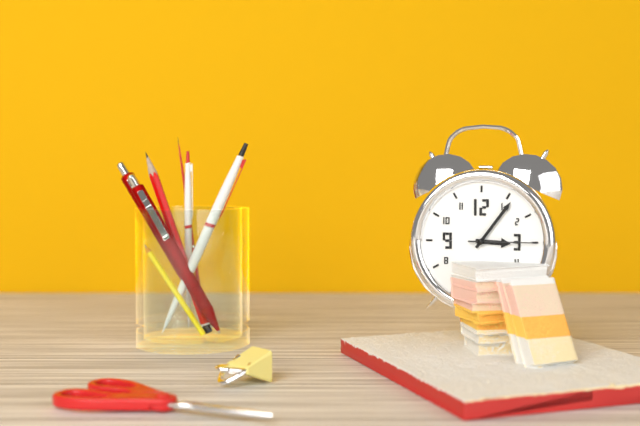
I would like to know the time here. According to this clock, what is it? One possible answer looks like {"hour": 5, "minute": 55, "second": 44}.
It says {"hour": 3, "minute": 6, "second": 15}
